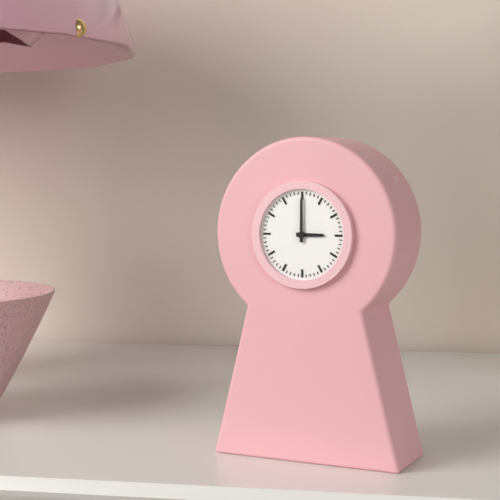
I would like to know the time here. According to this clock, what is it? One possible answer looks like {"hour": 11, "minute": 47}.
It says {"hour": 3, "minute": 0}
